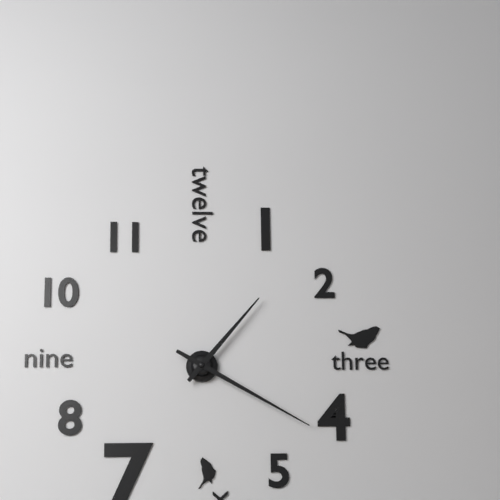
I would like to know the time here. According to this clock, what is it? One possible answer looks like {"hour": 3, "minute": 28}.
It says {"hour": 1, "minute": 20}
